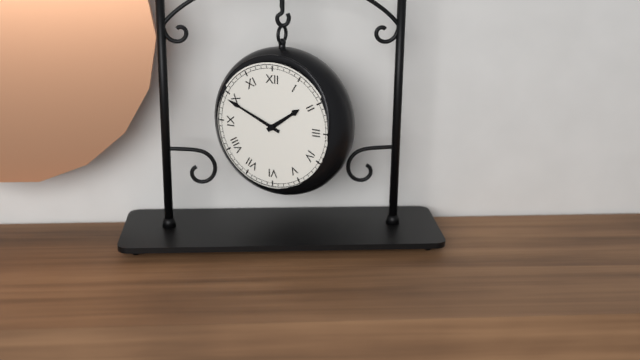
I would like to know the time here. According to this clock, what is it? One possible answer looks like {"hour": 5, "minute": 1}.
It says {"hour": 1, "minute": 49}
